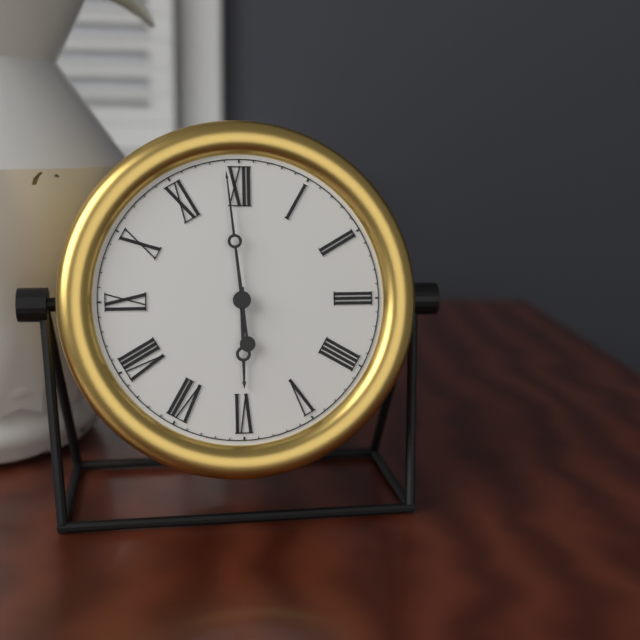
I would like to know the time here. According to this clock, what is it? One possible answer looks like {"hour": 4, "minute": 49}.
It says {"hour": 5, "minute": 59}
